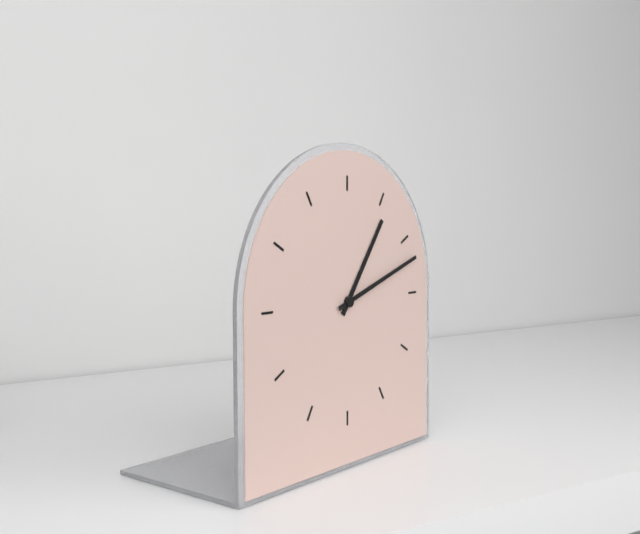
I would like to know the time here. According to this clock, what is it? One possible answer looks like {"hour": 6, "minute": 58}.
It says {"hour": 1, "minute": 12}
